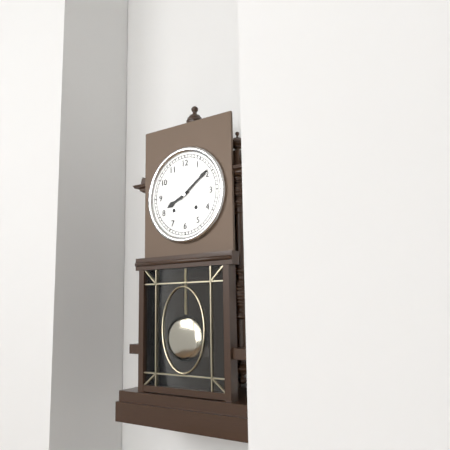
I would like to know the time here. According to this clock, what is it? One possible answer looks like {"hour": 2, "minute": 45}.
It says {"hour": 8, "minute": 9}
